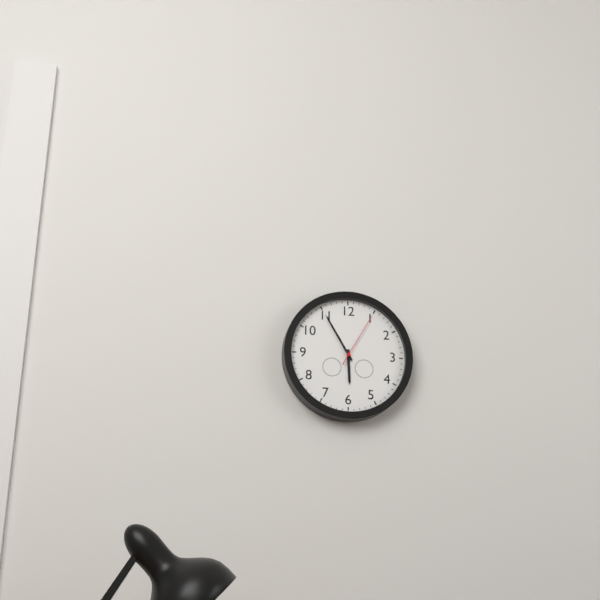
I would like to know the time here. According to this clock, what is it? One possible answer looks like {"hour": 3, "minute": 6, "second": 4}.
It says {"hour": 5, "minute": 55, "second": 5}
